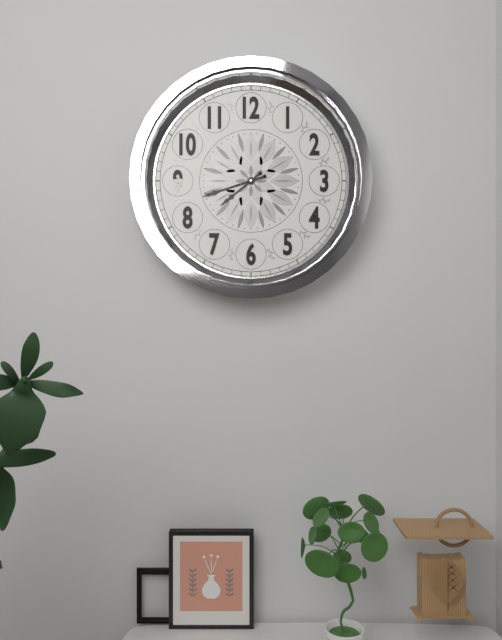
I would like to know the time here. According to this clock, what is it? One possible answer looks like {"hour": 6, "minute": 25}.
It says {"hour": 7, "minute": 42}
